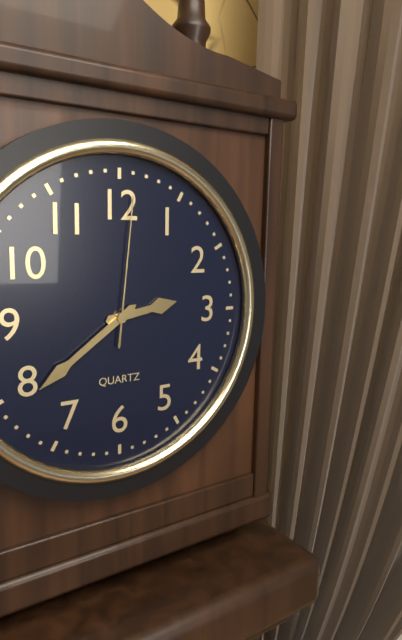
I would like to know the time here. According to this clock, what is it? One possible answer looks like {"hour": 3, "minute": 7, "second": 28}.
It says {"hour": 2, "minute": 39, "second": 1}
